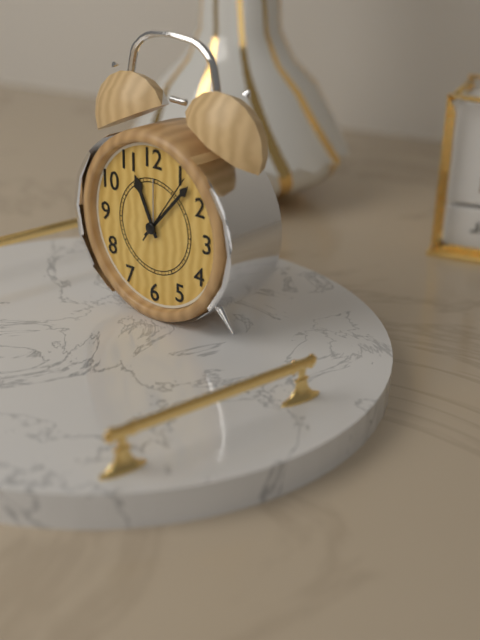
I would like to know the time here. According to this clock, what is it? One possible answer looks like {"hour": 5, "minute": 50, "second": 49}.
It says {"hour": 11, "minute": 7, "second": 6}
